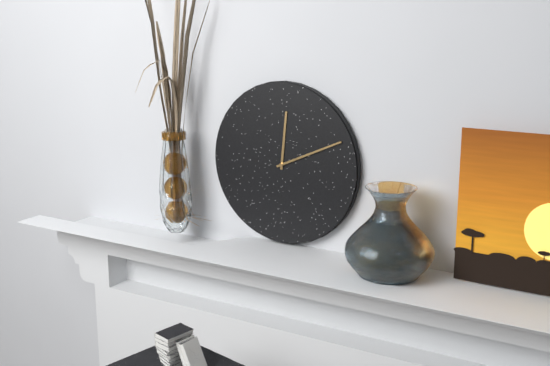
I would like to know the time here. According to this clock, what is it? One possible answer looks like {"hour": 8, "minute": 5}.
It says {"hour": 12, "minute": 11}
